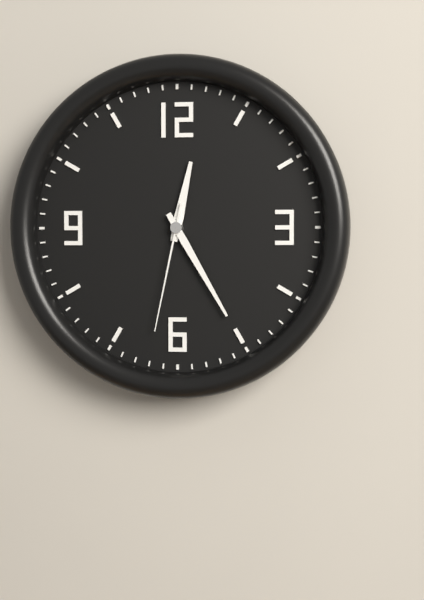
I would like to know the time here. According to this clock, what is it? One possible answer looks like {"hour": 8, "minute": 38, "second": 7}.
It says {"hour": 12, "minute": 25, "second": 32}
